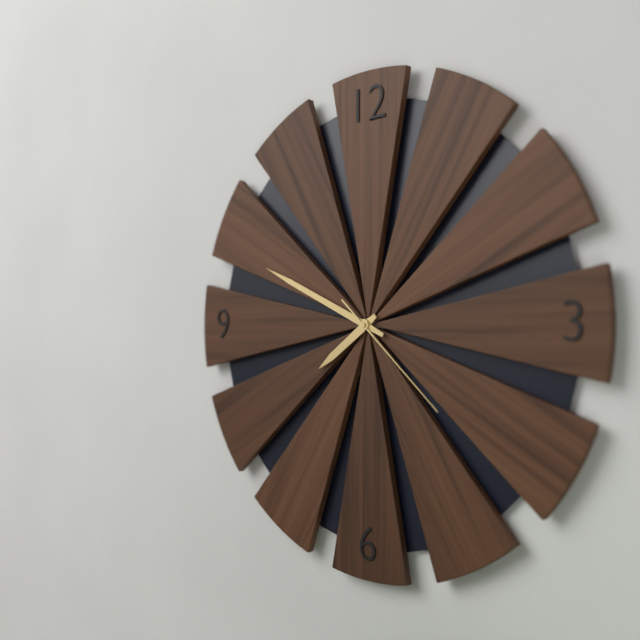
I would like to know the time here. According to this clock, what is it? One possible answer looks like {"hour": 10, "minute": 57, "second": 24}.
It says {"hour": 7, "minute": 49, "second": 22}
